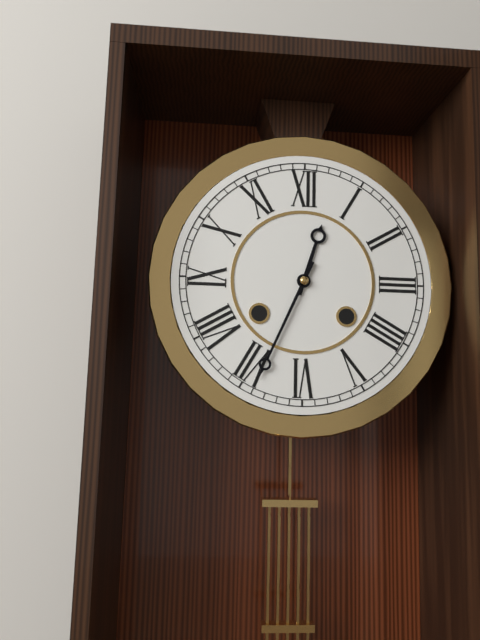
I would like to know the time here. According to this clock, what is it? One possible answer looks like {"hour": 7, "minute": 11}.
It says {"hour": 12, "minute": 34}
